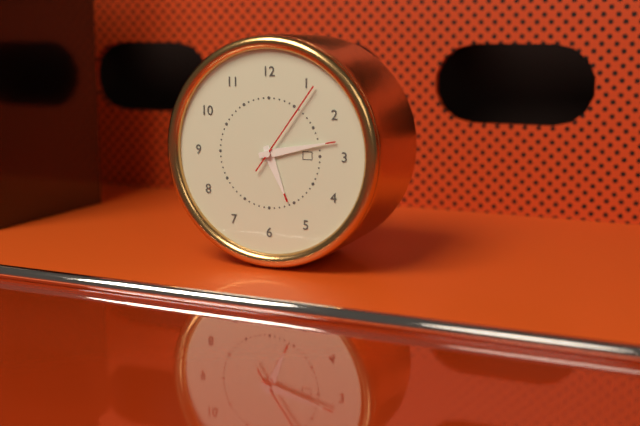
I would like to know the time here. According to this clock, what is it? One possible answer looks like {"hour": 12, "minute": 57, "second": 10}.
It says {"hour": 5, "minute": 13, "second": 6}
